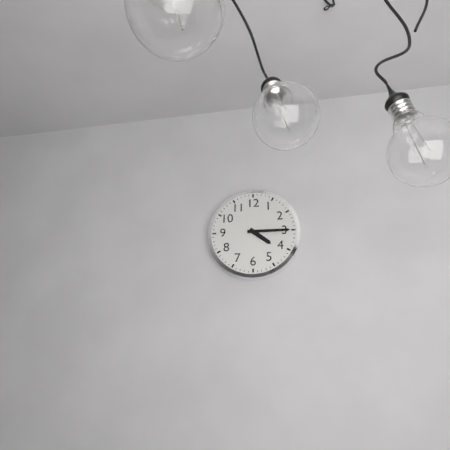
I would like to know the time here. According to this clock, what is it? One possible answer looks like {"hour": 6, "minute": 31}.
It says {"hour": 4, "minute": 15}
